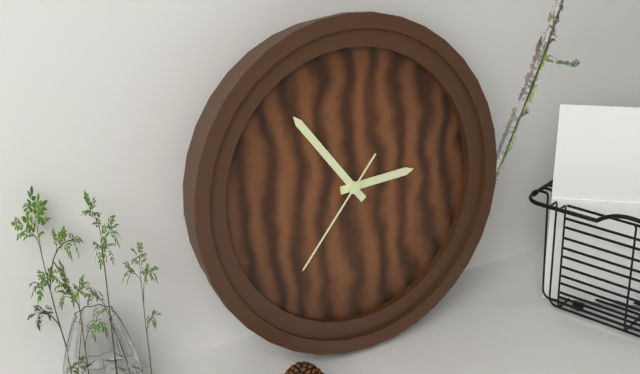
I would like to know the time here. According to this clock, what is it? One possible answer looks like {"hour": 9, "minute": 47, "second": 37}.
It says {"hour": 2, "minute": 54, "second": 37}
